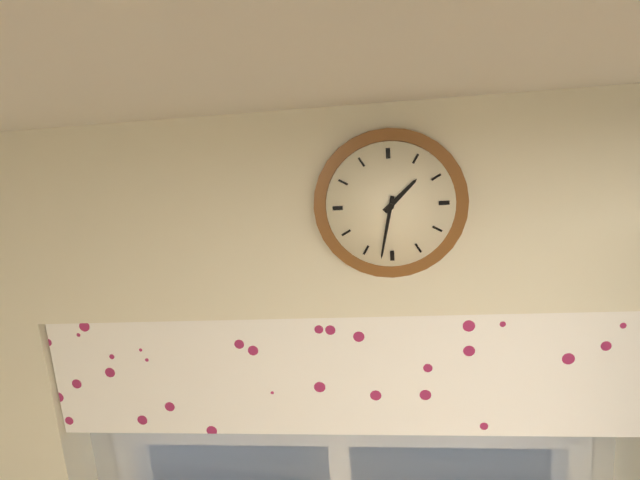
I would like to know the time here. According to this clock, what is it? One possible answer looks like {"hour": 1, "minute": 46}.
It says {"hour": 1, "minute": 32}
